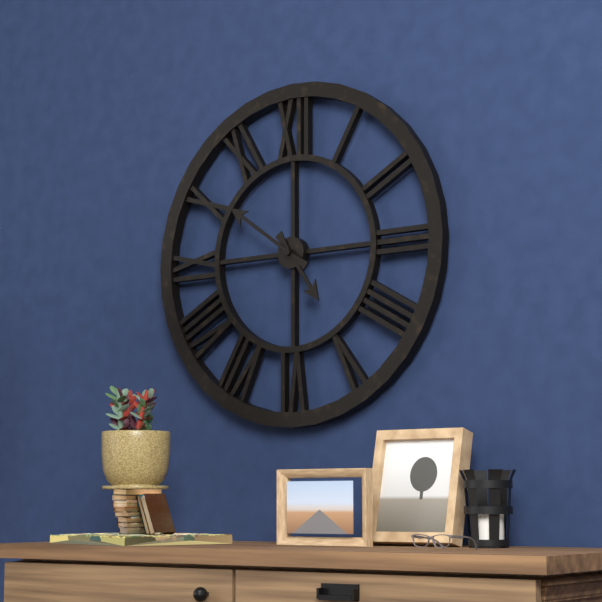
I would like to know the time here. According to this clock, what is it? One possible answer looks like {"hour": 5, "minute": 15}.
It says {"hour": 4, "minute": 51}
